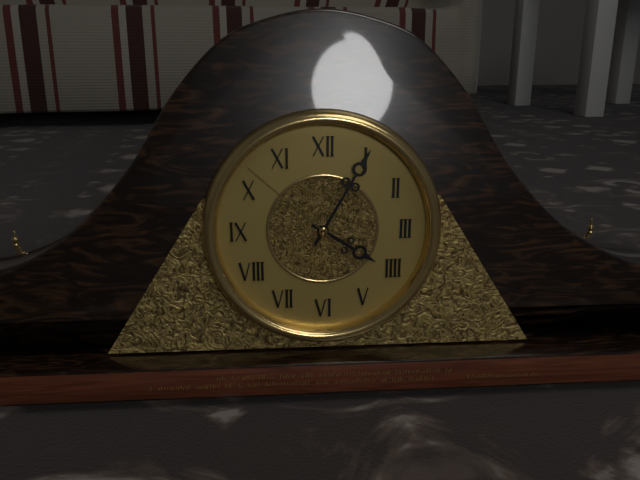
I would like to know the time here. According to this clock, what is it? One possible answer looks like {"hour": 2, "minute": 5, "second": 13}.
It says {"hour": 4, "minute": 5, "second": 52}
